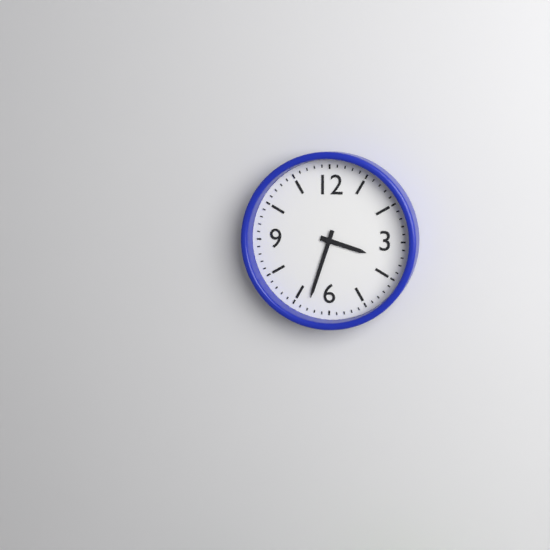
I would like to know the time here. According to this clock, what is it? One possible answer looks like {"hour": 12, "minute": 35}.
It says {"hour": 3, "minute": 33}
